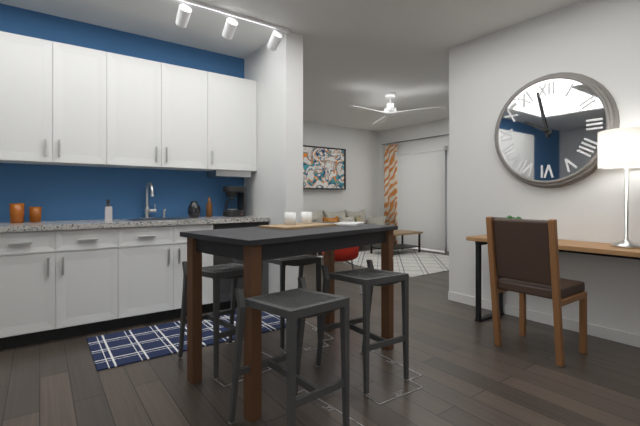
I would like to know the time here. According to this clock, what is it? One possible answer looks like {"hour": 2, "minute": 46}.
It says {"hour": 9, "minute": 58}
